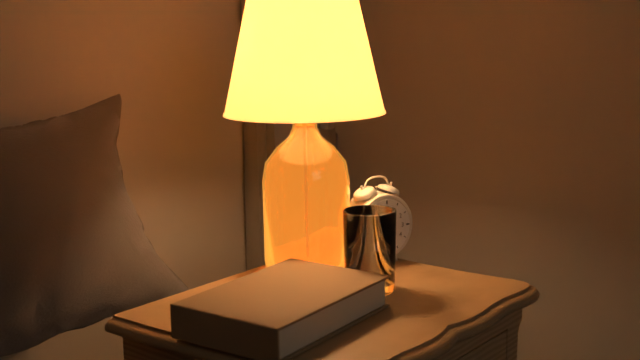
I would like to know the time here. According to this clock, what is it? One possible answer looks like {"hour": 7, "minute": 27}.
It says {"hour": 9, "minute": 52}
